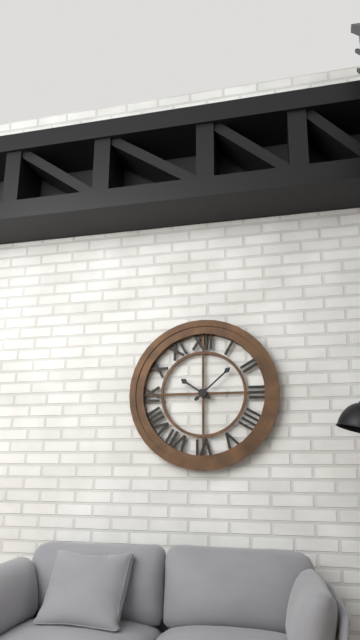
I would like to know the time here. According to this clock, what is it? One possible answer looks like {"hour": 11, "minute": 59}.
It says {"hour": 10, "minute": 8}
